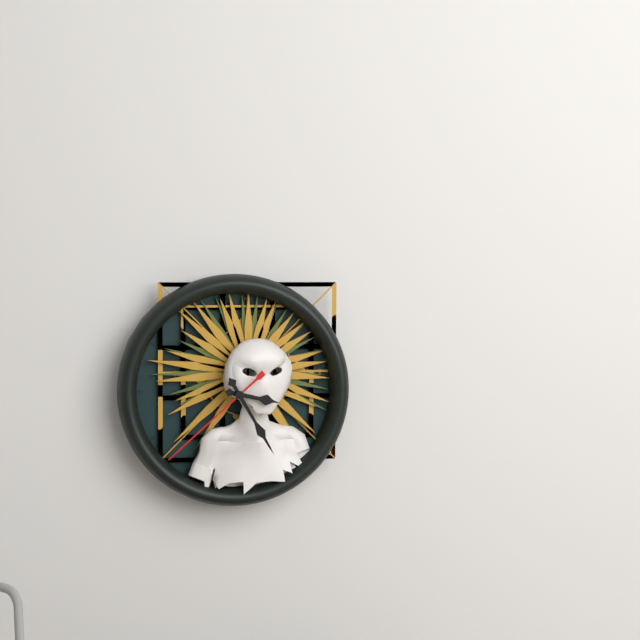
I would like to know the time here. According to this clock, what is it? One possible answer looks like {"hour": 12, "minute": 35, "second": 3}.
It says {"hour": 3, "minute": 25, "second": 38}
